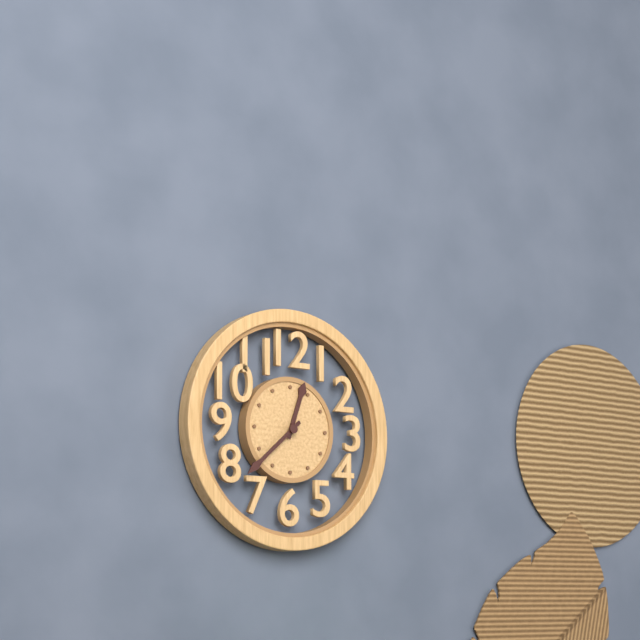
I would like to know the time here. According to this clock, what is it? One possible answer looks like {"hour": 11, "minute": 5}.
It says {"hour": 12, "minute": 38}
